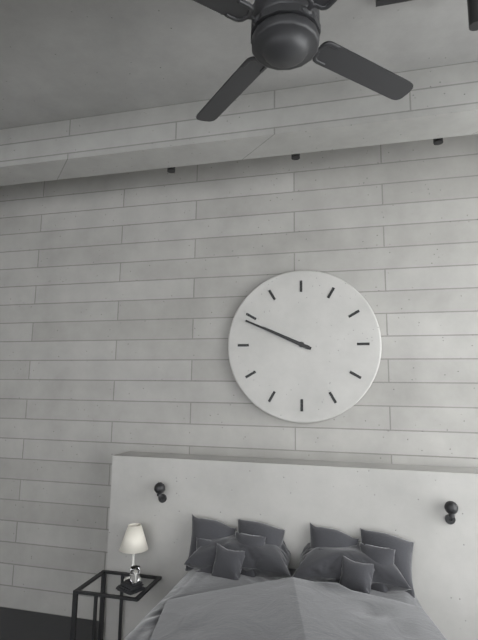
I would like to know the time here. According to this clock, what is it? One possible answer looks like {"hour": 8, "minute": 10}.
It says {"hour": 9, "minute": 49}
